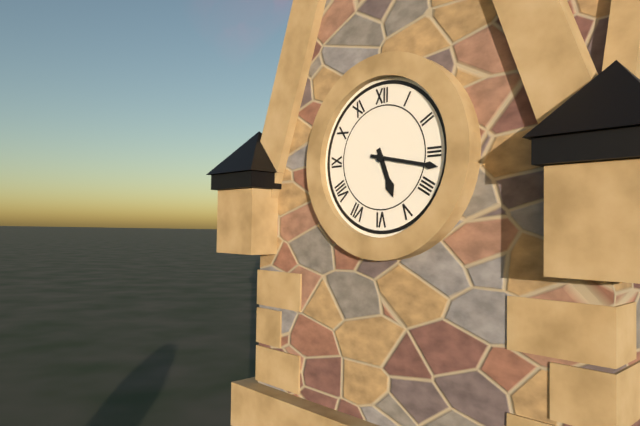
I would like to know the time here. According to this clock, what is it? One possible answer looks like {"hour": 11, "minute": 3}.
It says {"hour": 5, "minute": 17}
